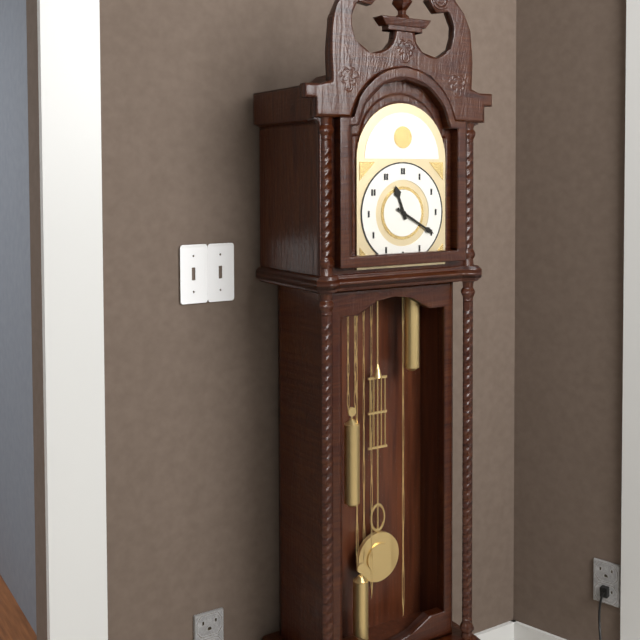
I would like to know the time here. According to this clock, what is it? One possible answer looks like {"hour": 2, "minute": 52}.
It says {"hour": 11, "minute": 20}
